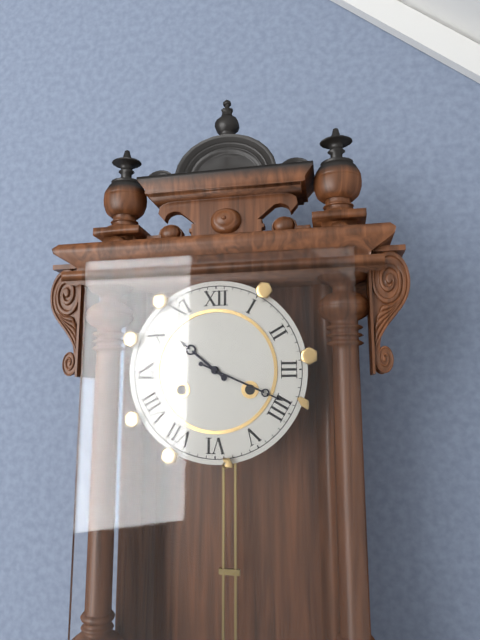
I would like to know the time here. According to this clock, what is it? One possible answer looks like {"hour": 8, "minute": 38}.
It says {"hour": 10, "minute": 19}
